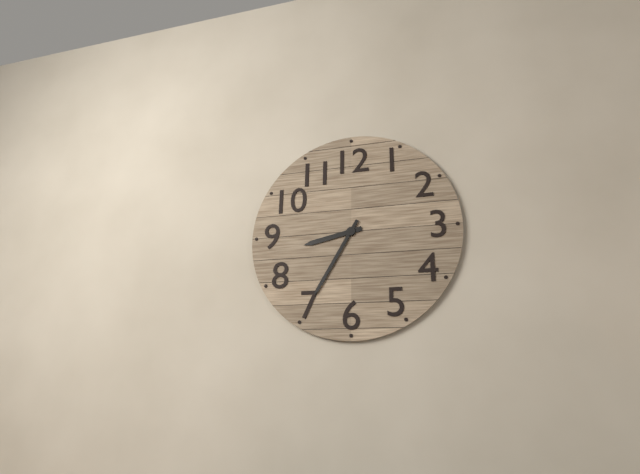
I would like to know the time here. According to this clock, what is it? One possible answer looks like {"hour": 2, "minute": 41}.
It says {"hour": 8, "minute": 35}
